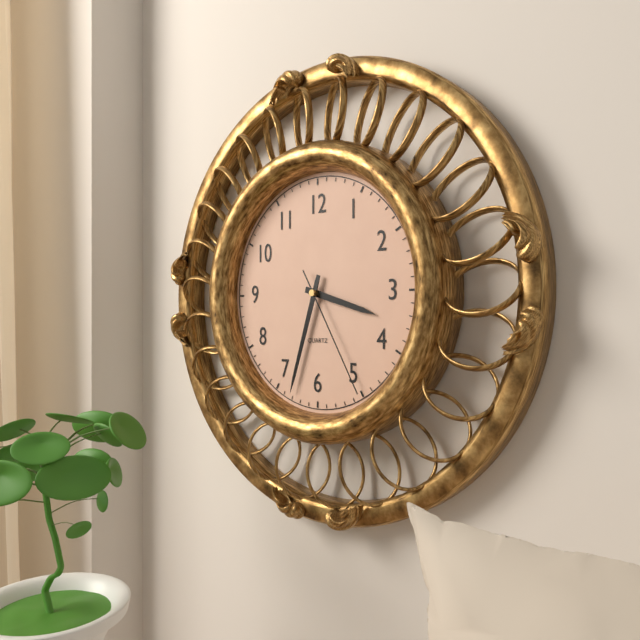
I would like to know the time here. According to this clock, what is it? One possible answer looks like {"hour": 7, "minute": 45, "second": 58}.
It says {"hour": 3, "minute": 33, "second": 25}
